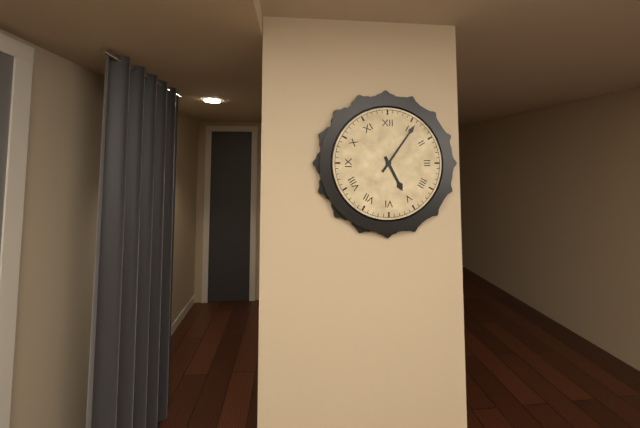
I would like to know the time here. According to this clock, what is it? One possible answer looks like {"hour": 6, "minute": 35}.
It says {"hour": 5, "minute": 6}
